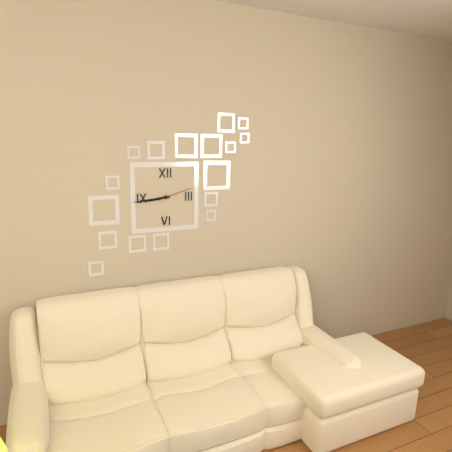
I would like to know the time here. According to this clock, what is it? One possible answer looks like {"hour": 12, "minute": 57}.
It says {"hour": 8, "minute": 44}
